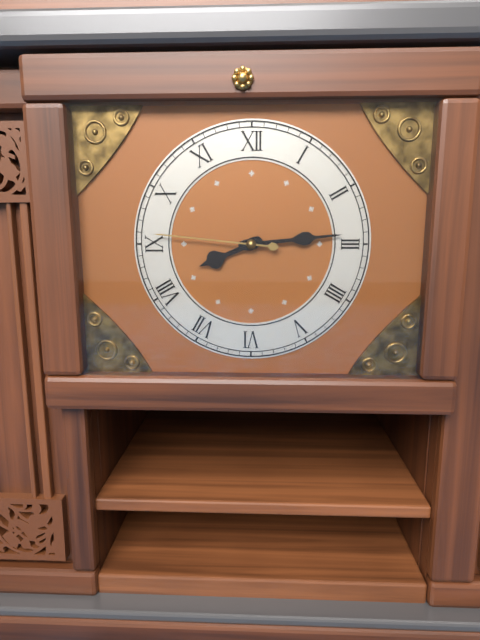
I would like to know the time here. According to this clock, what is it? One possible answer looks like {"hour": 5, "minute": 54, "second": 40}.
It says {"hour": 8, "minute": 14, "second": 46}
